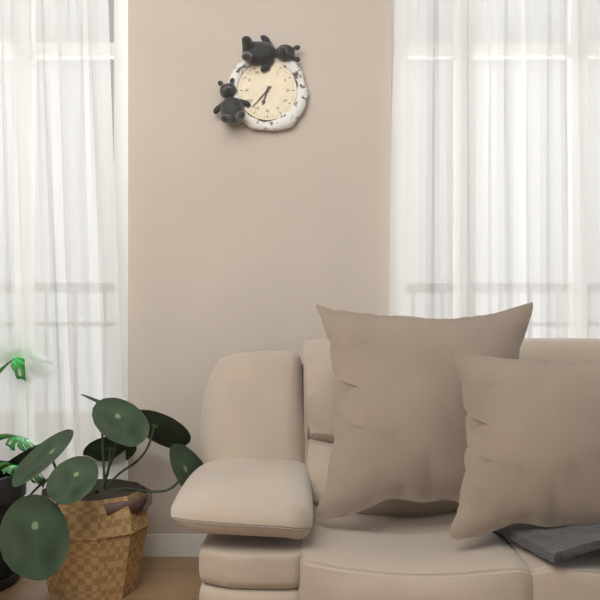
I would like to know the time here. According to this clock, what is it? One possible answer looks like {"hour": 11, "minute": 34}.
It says {"hour": 6, "minute": 37}
